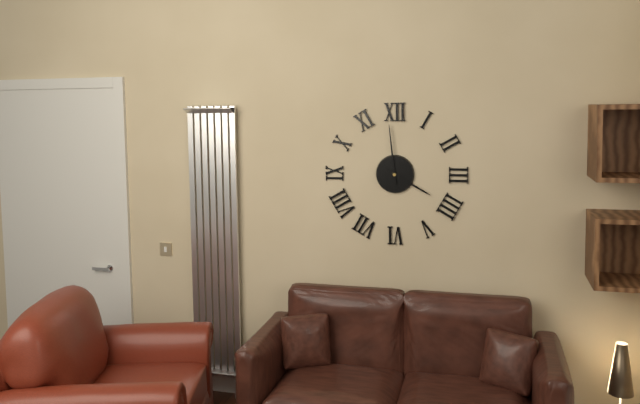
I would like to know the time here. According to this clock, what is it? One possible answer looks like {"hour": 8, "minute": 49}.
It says {"hour": 3, "minute": 59}
